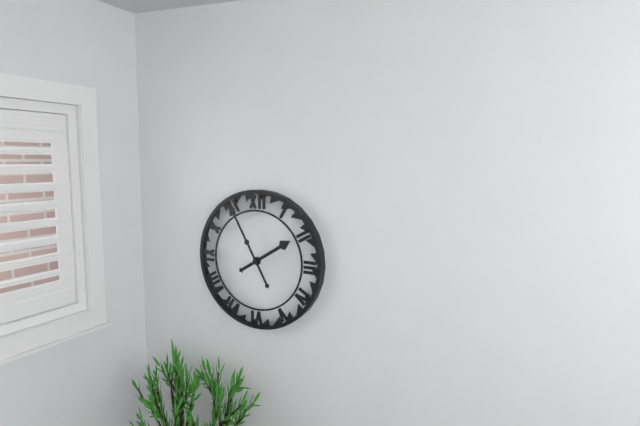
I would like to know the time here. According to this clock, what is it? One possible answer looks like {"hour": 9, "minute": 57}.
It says {"hour": 1, "minute": 55}
